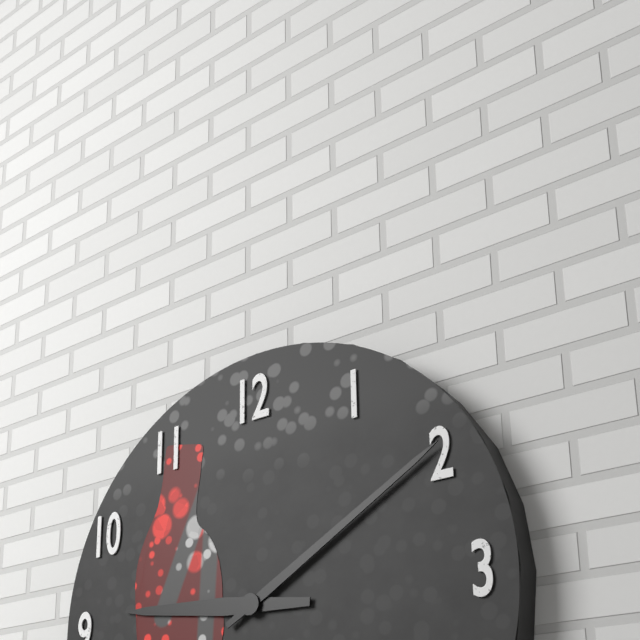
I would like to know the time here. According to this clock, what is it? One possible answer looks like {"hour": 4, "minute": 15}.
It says {"hour": 9, "minute": 10}
